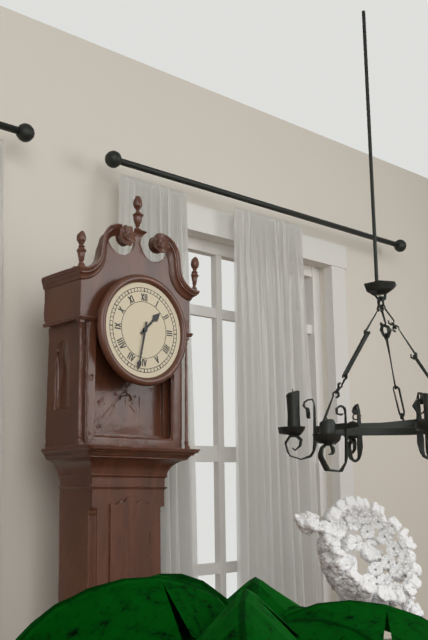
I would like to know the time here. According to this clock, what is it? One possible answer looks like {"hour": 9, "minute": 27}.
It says {"hour": 1, "minute": 32}
